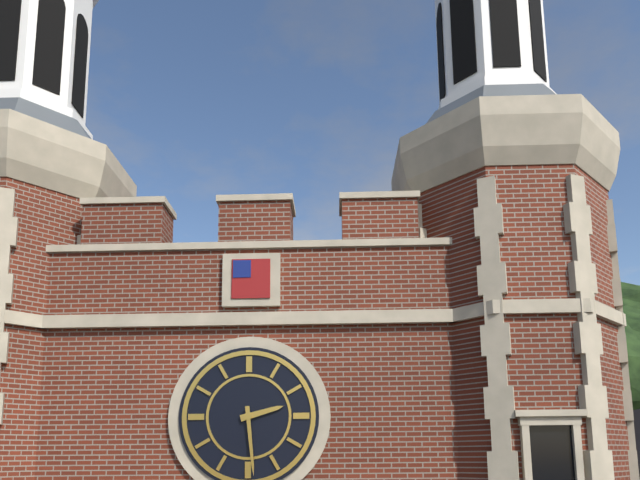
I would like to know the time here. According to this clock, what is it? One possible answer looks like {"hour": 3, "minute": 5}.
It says {"hour": 2, "minute": 29}
